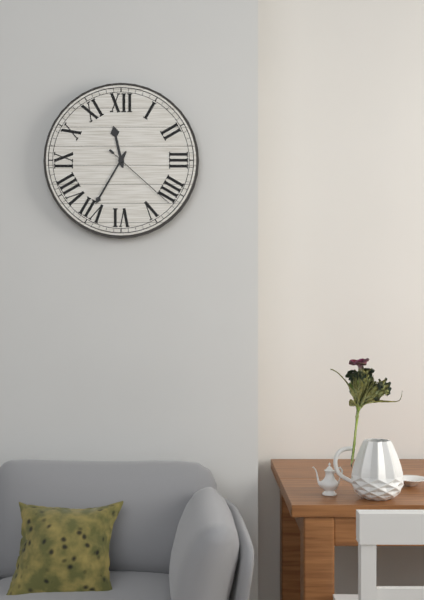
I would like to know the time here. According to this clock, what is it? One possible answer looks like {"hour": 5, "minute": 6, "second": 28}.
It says {"hour": 11, "minute": 35, "second": 22}
